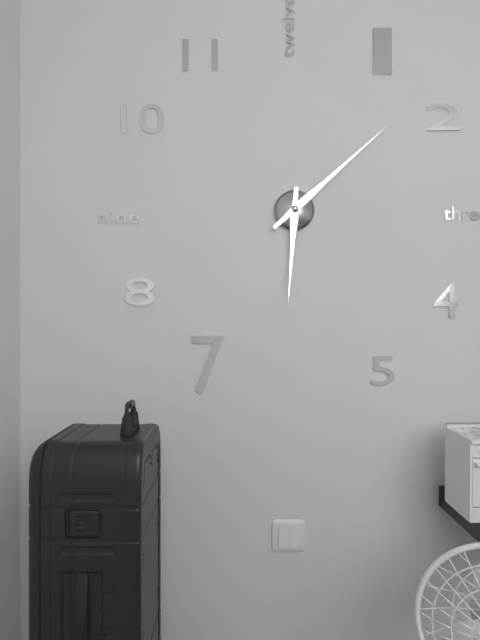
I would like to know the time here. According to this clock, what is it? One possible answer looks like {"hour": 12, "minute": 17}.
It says {"hour": 6, "minute": 8}
